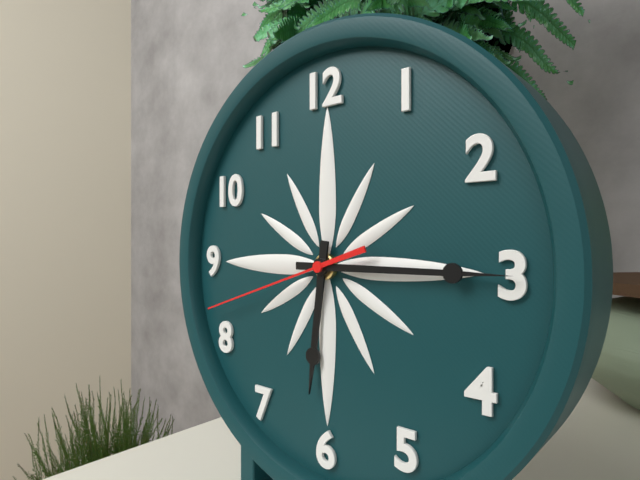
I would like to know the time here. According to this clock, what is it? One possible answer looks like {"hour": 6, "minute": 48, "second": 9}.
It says {"hour": 6, "minute": 15, "second": 42}
